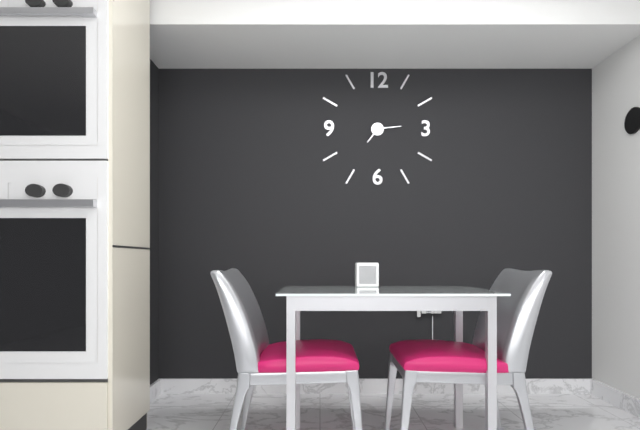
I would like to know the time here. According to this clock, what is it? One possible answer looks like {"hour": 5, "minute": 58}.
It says {"hour": 7, "minute": 14}
